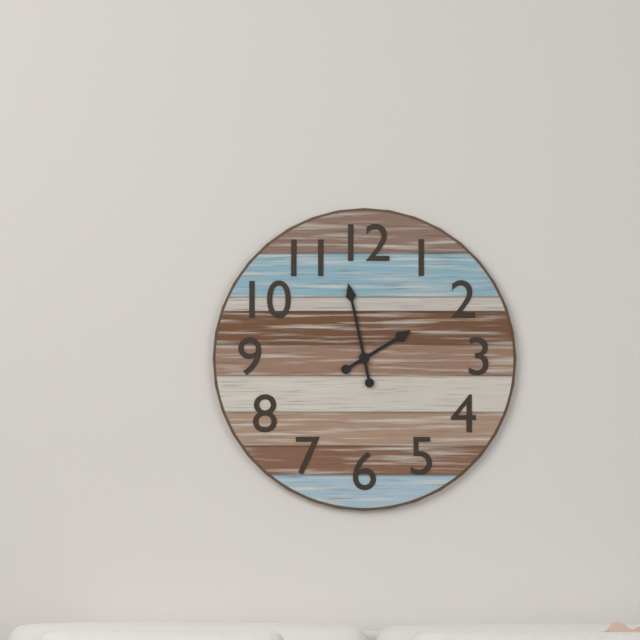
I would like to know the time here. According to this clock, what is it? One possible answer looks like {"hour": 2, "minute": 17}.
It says {"hour": 1, "minute": 58}
